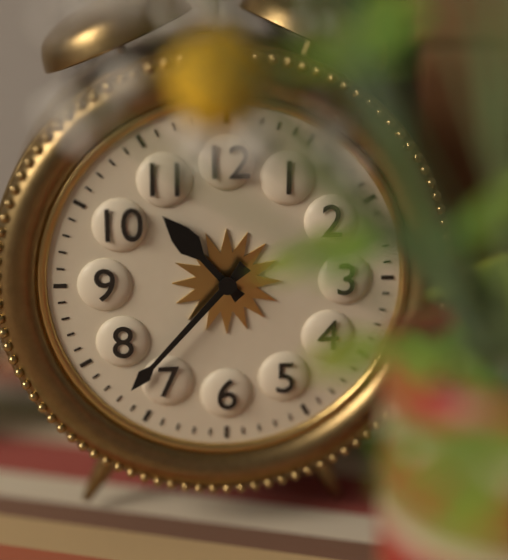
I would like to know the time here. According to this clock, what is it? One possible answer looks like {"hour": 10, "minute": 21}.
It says {"hour": 10, "minute": 37}
